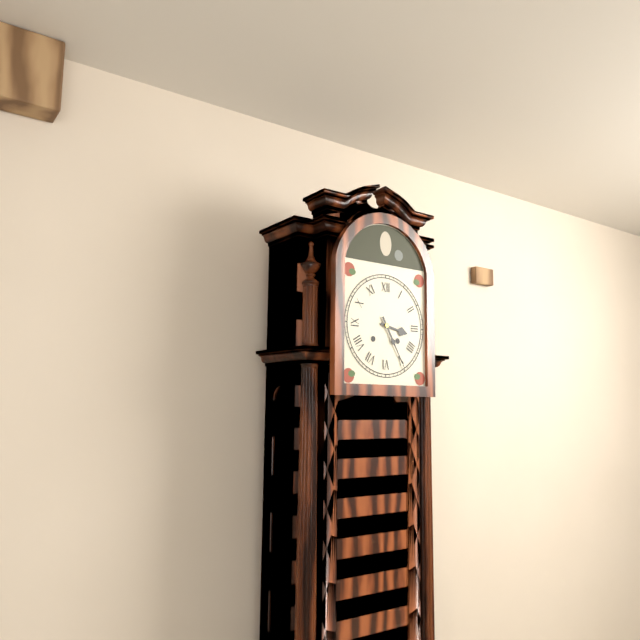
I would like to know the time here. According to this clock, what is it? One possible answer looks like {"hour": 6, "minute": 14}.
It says {"hour": 3, "minute": 25}
